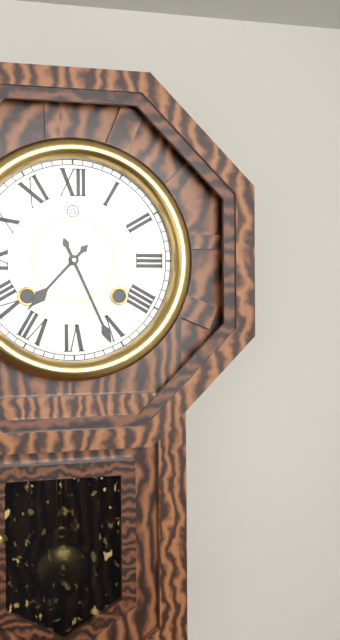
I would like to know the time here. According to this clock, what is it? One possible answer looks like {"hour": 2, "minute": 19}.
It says {"hour": 7, "minute": 26}
